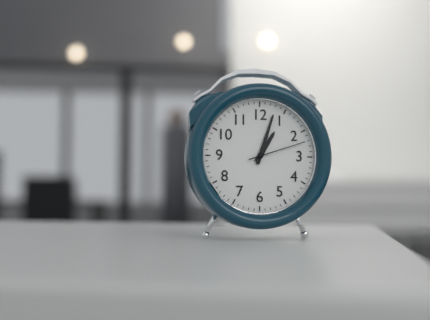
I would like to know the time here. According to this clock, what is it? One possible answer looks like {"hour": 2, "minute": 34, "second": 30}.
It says {"hour": 1, "minute": 3, "second": 12}
